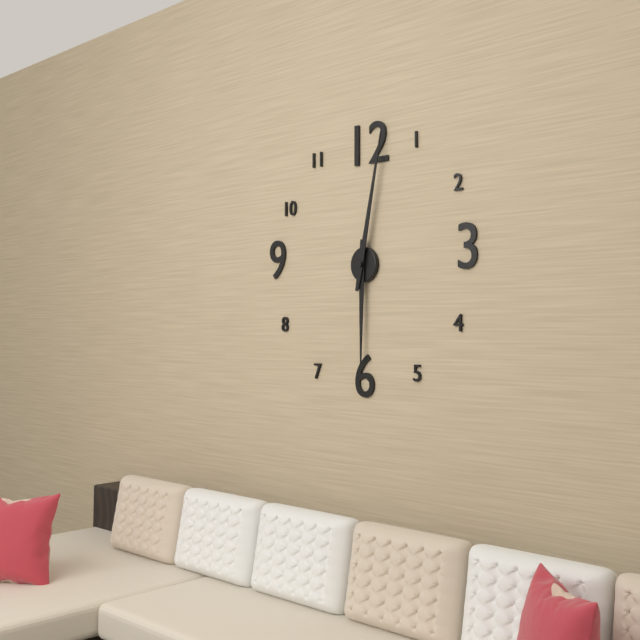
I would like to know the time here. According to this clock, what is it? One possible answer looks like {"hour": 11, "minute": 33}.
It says {"hour": 6, "minute": 2}
